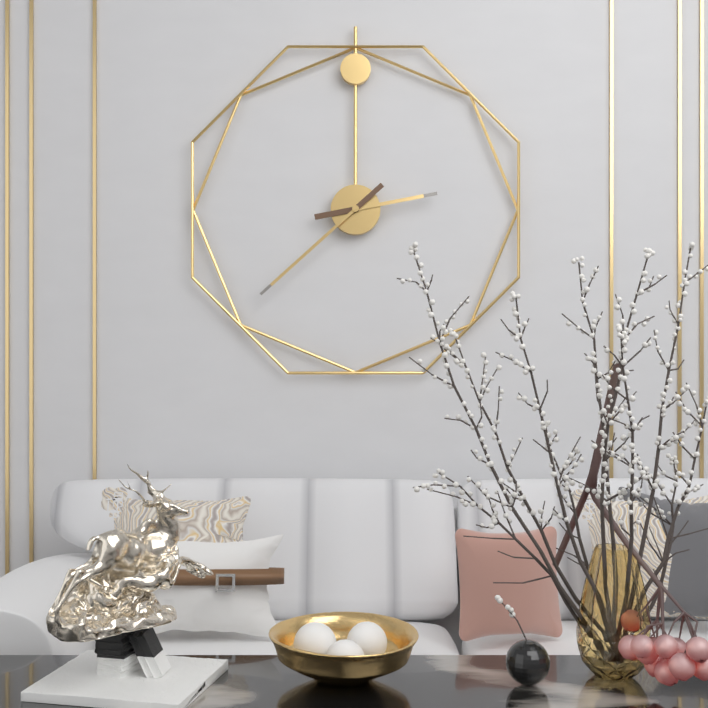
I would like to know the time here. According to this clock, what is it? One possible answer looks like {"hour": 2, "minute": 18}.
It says {"hour": 2, "minute": 38}
